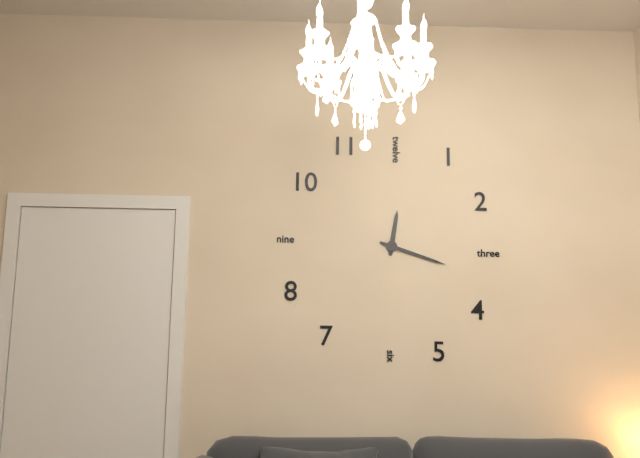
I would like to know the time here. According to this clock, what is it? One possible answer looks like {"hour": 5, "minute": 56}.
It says {"hour": 12, "minute": 18}
